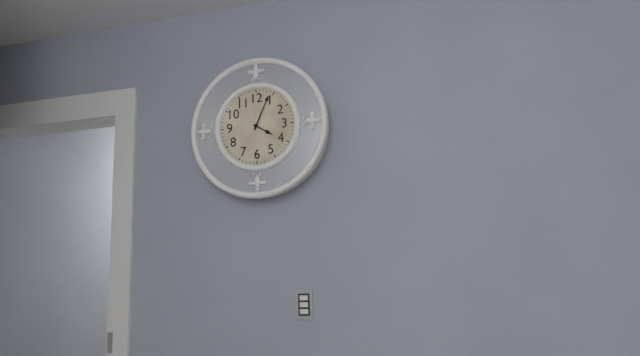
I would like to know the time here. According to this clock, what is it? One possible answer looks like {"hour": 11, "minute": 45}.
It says {"hour": 4, "minute": 4}
